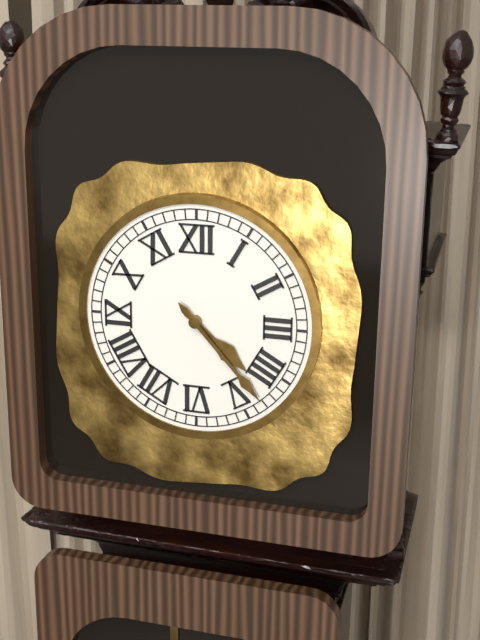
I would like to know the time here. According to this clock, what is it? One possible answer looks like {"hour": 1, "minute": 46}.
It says {"hour": 4, "minute": 23}
